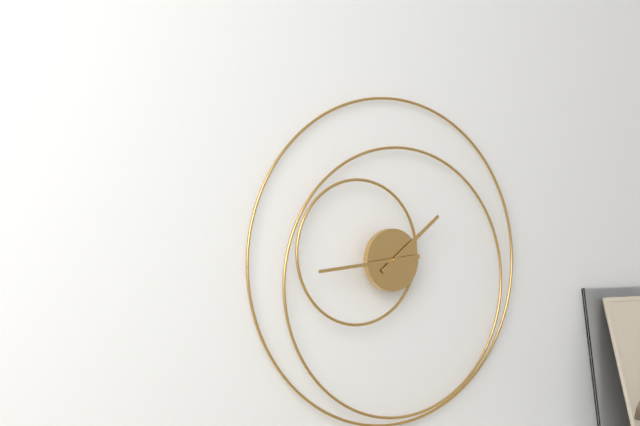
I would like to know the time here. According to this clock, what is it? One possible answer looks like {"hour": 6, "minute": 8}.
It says {"hour": 1, "minute": 44}
